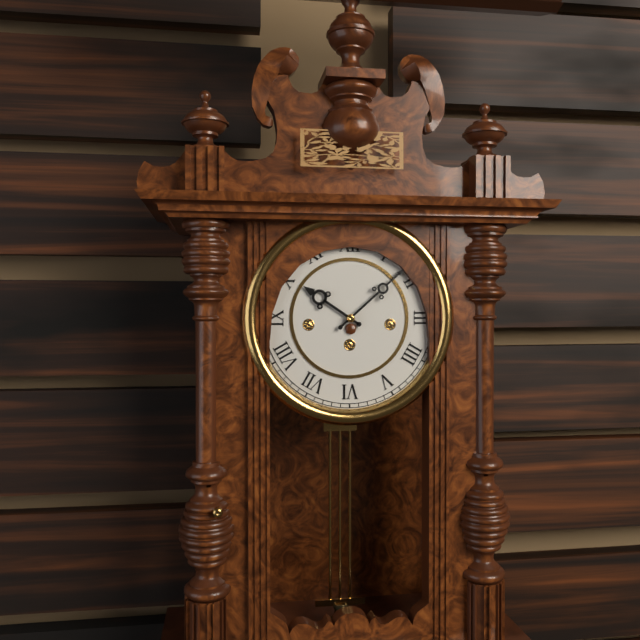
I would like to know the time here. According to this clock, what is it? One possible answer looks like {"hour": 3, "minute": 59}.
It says {"hour": 10, "minute": 8}
